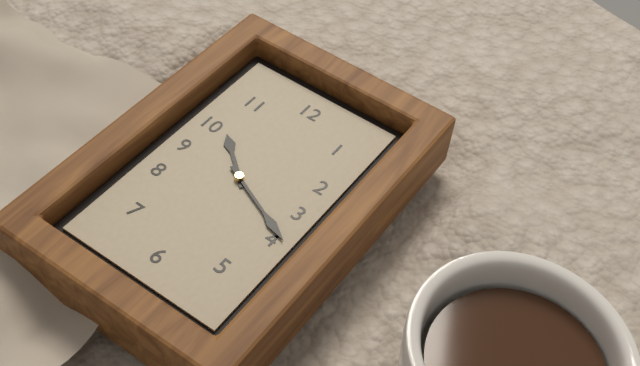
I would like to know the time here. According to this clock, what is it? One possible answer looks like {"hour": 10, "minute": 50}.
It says {"hour": 10, "minute": 19}
